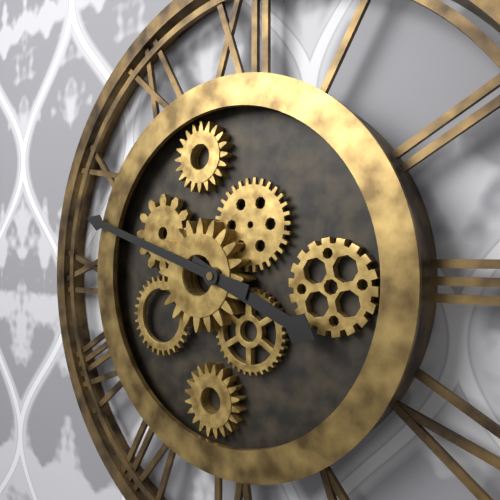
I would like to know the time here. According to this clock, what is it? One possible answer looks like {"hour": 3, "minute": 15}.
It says {"hour": 3, "minute": 48}
